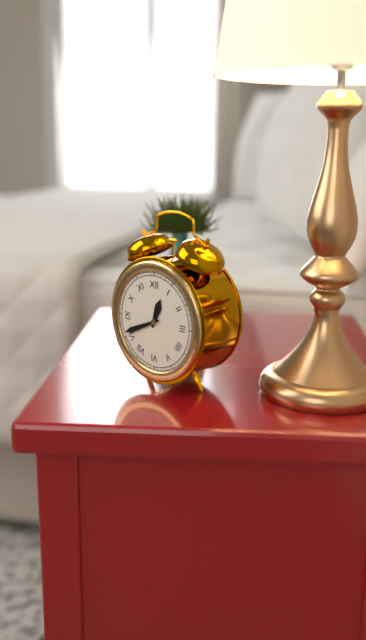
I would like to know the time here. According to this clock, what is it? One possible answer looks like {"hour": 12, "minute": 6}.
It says {"hour": 12, "minute": 41}
